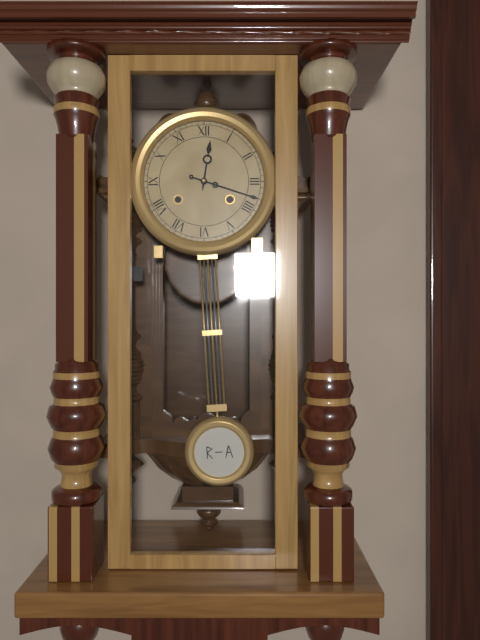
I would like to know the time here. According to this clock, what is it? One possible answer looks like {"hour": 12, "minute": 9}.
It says {"hour": 12, "minute": 18}
